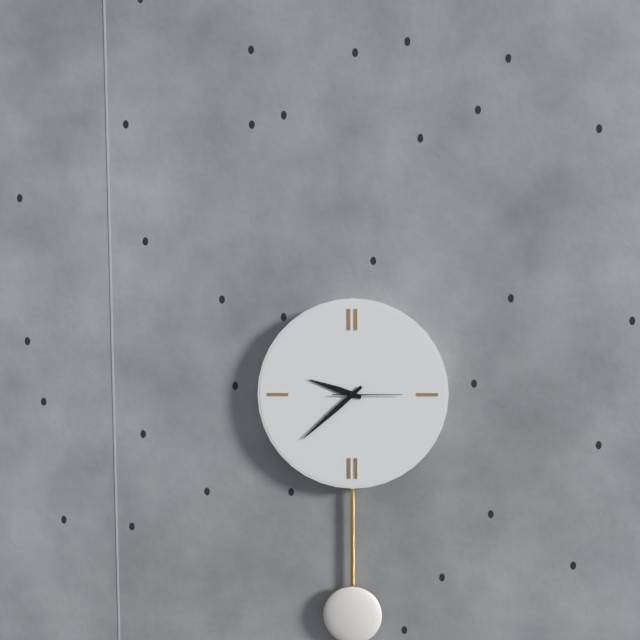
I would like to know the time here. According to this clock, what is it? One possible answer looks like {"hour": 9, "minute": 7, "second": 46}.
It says {"hour": 9, "minute": 38, "second": 15}
